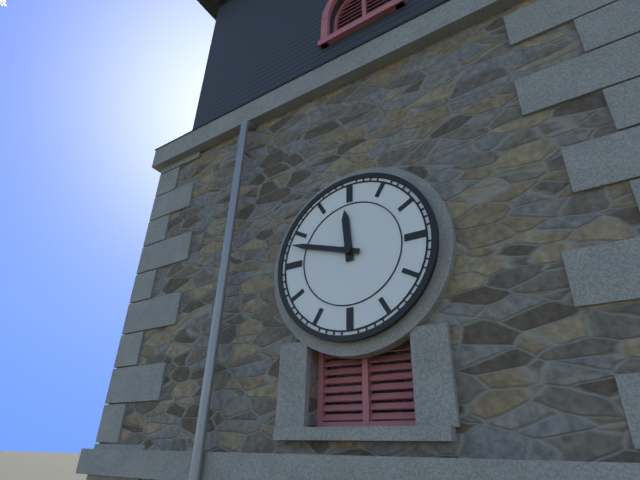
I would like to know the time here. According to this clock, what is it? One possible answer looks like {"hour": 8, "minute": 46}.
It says {"hour": 11, "minute": 48}
